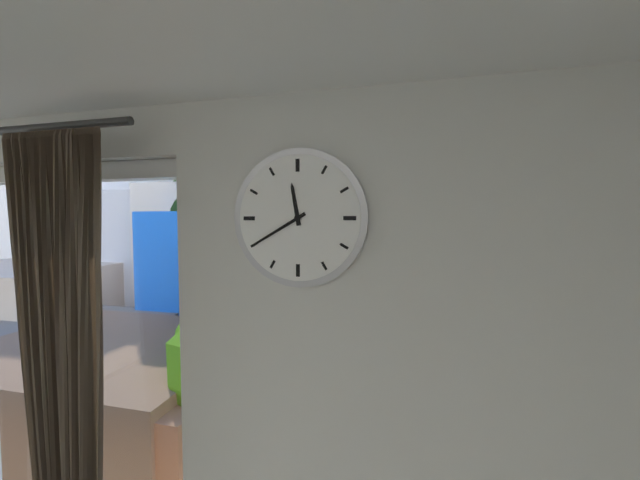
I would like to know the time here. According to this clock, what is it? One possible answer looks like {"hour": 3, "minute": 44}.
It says {"hour": 11, "minute": 40}
